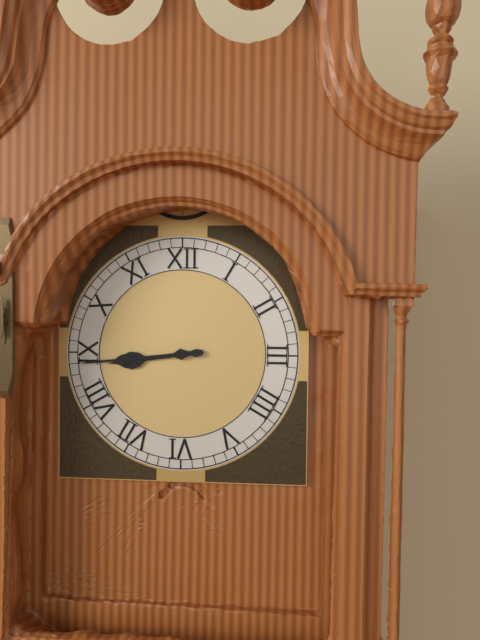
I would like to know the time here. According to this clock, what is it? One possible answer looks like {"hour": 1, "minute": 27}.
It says {"hour": 8, "minute": 44}
